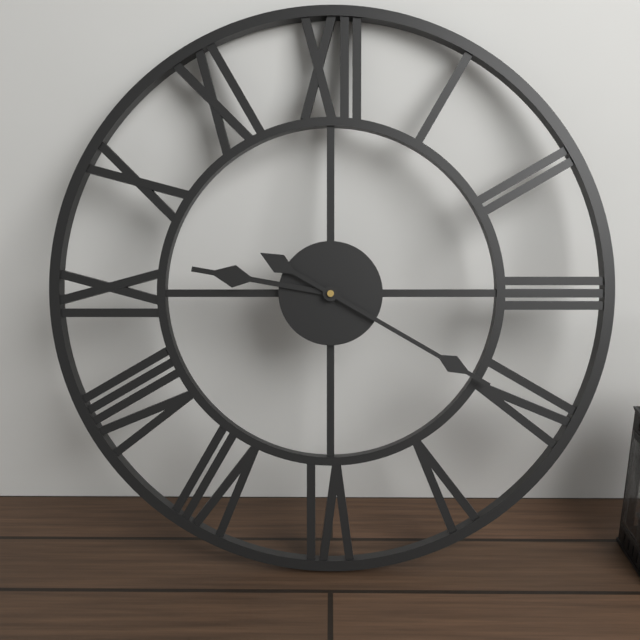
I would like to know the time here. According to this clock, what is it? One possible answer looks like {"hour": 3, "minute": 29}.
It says {"hour": 9, "minute": 20}
